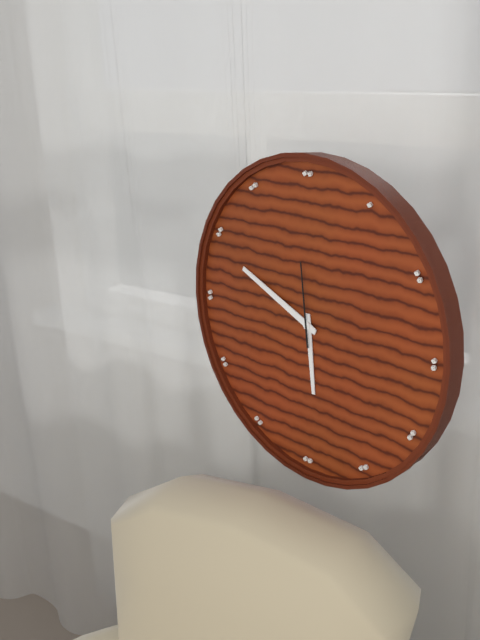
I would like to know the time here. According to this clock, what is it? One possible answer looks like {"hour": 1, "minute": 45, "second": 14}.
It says {"hour": 5, "minute": 49, "second": 59}
